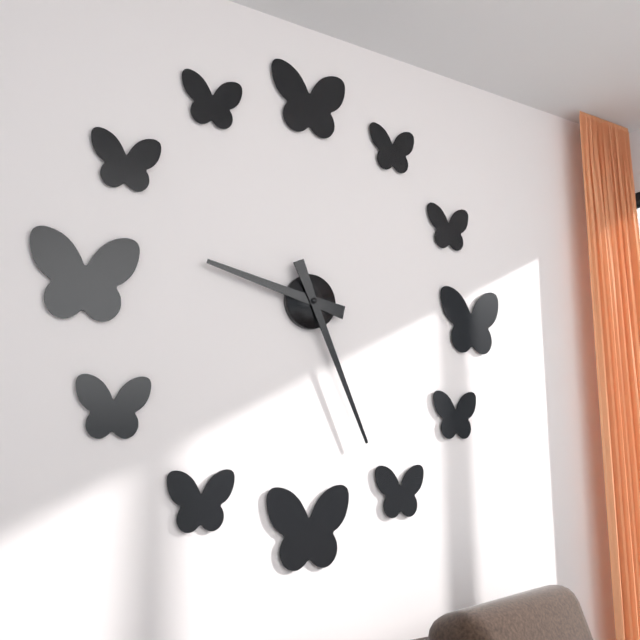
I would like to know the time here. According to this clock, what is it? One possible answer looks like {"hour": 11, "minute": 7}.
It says {"hour": 9, "minute": 26}
